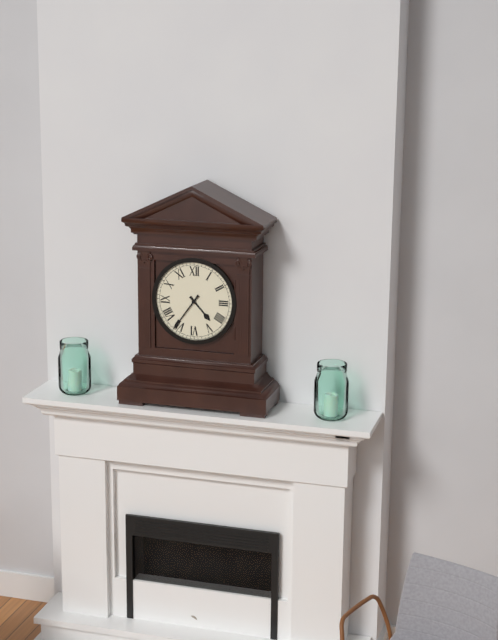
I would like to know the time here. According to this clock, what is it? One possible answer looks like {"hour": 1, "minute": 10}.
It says {"hour": 4, "minute": 36}
